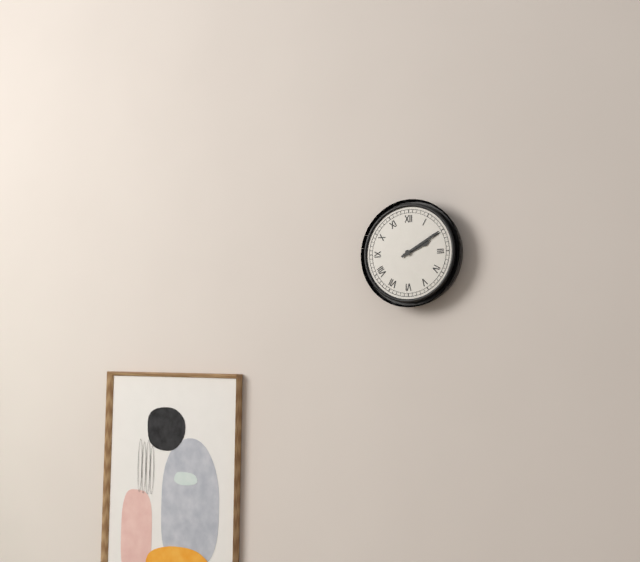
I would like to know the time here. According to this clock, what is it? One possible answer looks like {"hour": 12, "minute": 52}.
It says {"hour": 2, "minute": 10}
